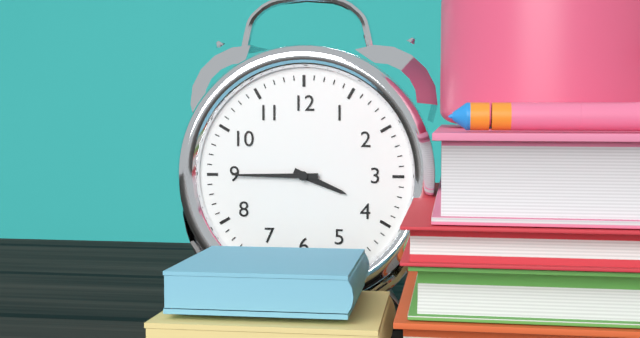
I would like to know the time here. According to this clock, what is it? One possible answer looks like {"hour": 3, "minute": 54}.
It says {"hour": 3, "minute": 45}
